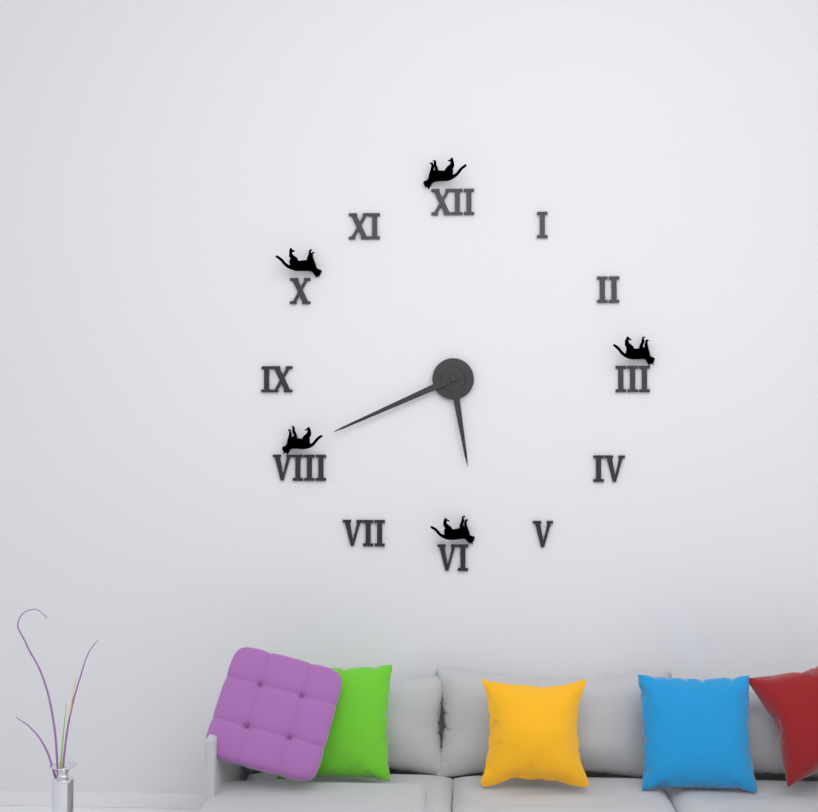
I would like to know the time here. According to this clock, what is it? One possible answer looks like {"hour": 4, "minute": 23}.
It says {"hour": 5, "minute": 41}
